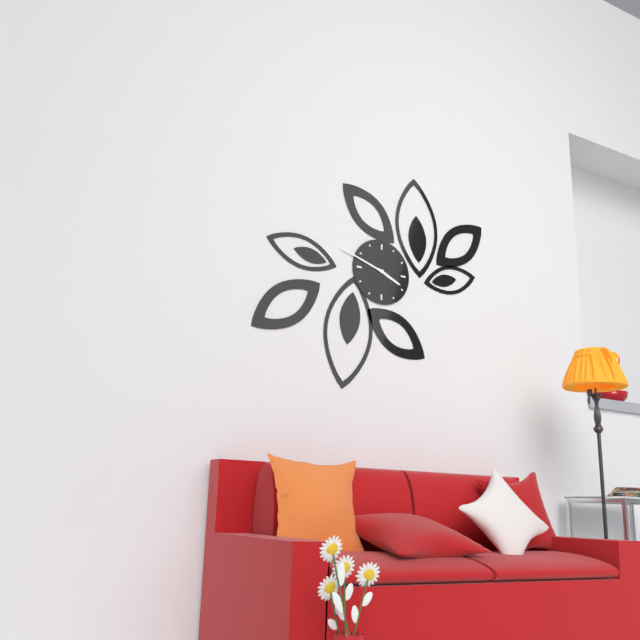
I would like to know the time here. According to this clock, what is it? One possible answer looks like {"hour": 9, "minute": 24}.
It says {"hour": 3, "minute": 48}
